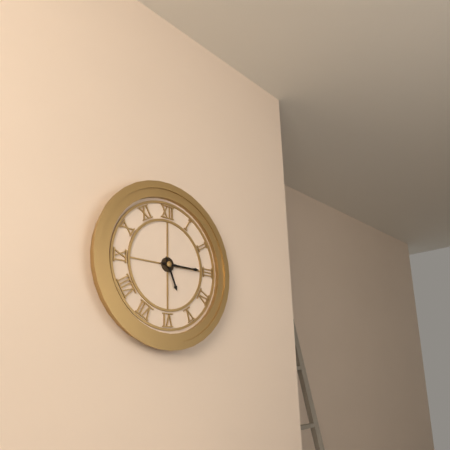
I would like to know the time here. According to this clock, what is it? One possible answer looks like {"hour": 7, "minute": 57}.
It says {"hour": 5, "minute": 15}
